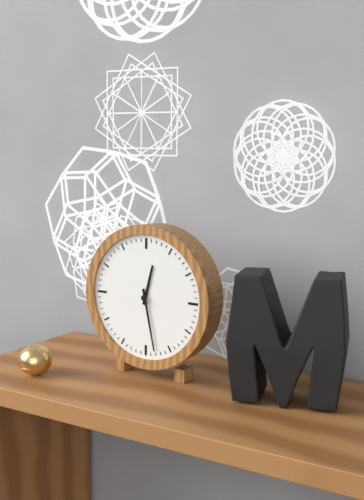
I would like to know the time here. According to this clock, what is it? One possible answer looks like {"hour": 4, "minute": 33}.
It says {"hour": 12, "minute": 28}
